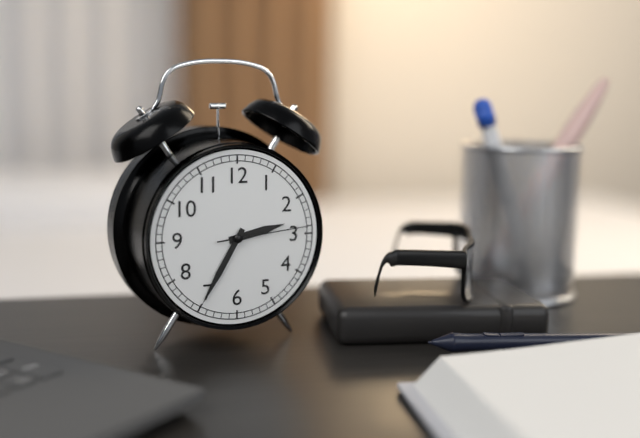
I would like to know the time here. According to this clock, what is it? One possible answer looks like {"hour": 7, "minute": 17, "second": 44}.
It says {"hour": 2, "minute": 35, "second": 14}
